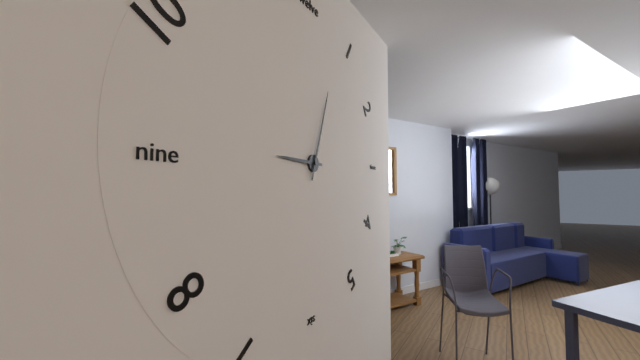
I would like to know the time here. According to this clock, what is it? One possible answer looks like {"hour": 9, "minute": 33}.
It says {"hour": 9, "minute": 3}
